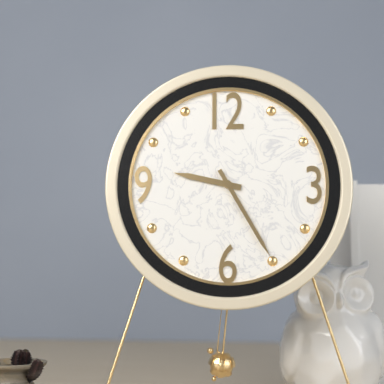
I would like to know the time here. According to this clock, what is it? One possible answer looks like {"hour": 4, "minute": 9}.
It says {"hour": 9, "minute": 25}
